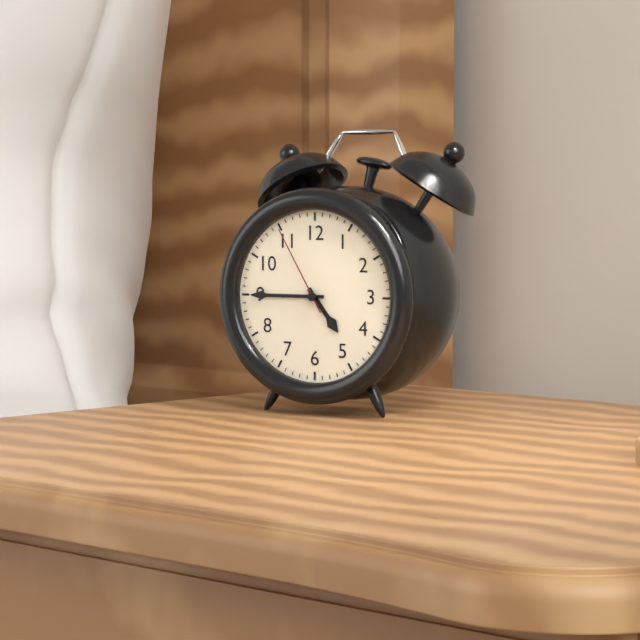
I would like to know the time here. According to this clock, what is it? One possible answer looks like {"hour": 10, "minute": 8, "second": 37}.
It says {"hour": 4, "minute": 45, "second": 55}
